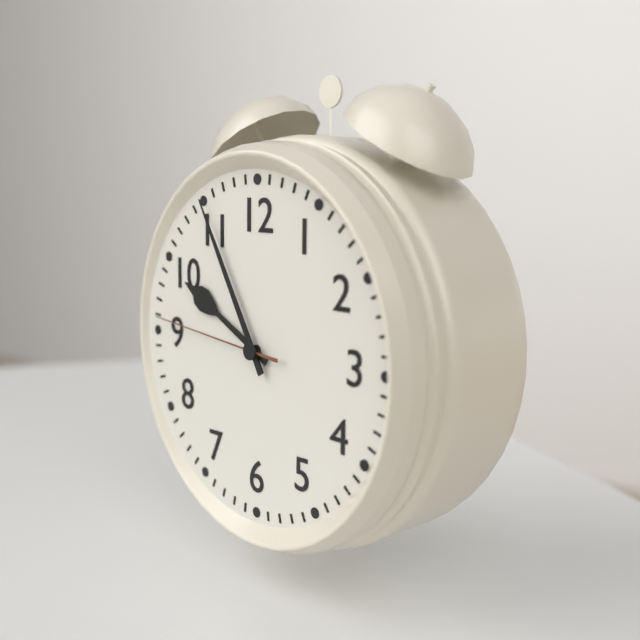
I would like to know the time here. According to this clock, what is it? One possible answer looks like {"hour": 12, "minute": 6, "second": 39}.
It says {"hour": 9, "minute": 55, "second": 46}
